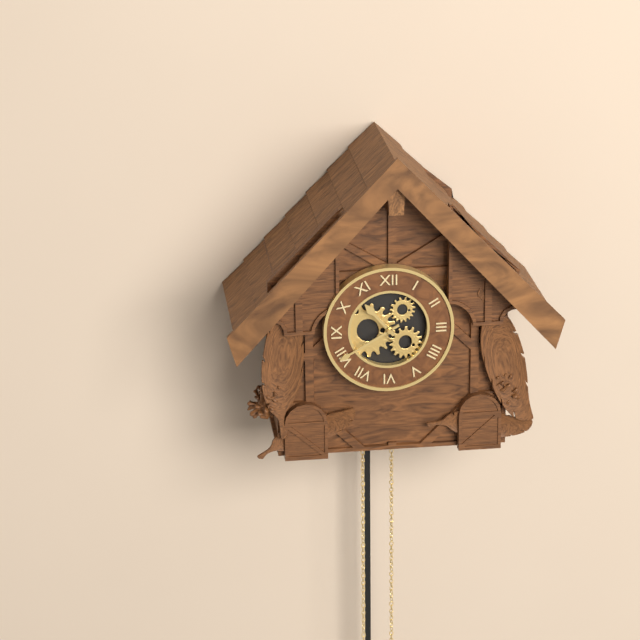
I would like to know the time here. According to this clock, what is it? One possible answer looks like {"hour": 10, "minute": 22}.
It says {"hour": 10, "minute": 40}
